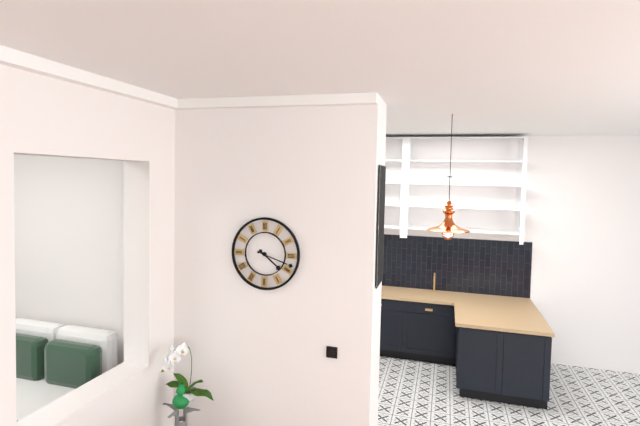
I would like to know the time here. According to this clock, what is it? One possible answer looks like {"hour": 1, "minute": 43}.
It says {"hour": 4, "minute": 18}
